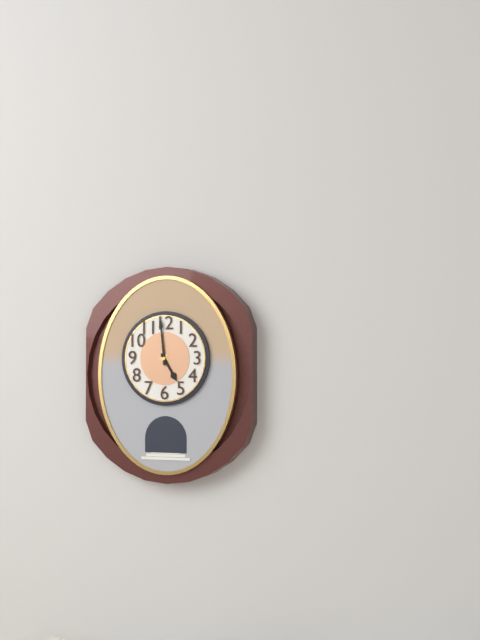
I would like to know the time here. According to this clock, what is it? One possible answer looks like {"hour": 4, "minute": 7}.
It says {"hour": 4, "minute": 59}
